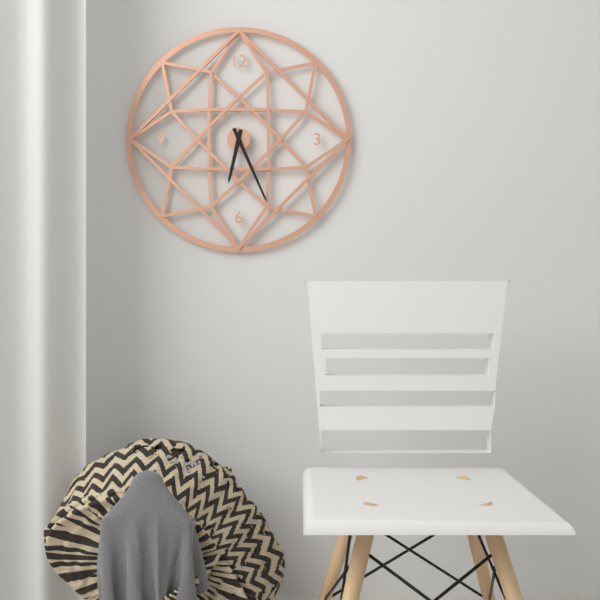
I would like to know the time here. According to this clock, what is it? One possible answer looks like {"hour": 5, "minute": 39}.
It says {"hour": 6, "minute": 26}
